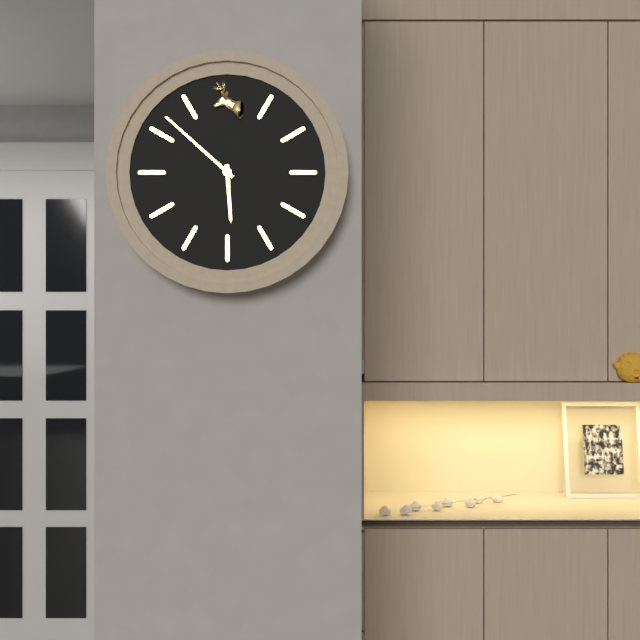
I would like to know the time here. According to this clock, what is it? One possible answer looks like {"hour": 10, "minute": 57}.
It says {"hour": 5, "minute": 52}
